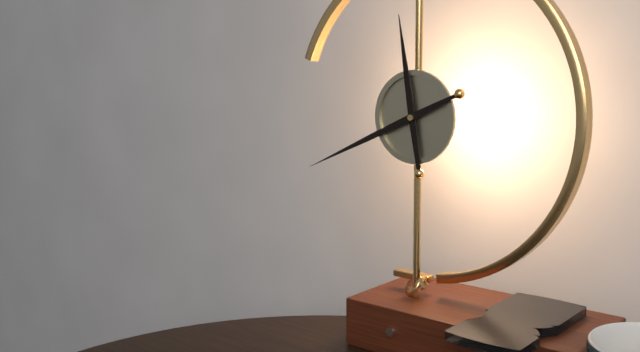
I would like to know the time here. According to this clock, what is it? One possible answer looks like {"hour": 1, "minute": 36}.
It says {"hour": 11, "minute": 41}
